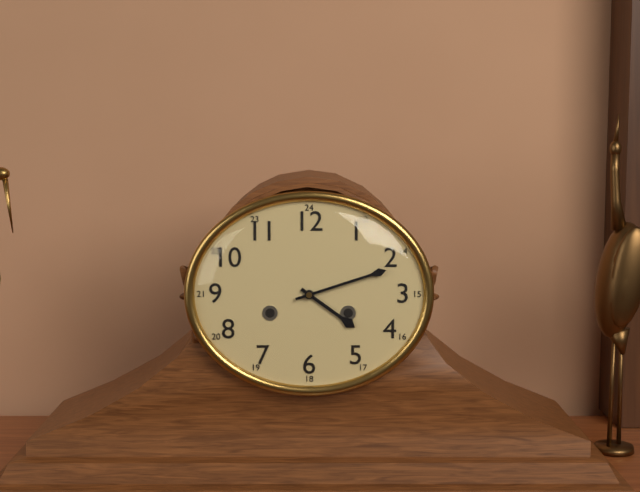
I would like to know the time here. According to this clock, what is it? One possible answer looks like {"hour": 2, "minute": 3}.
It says {"hour": 4, "minute": 12}
